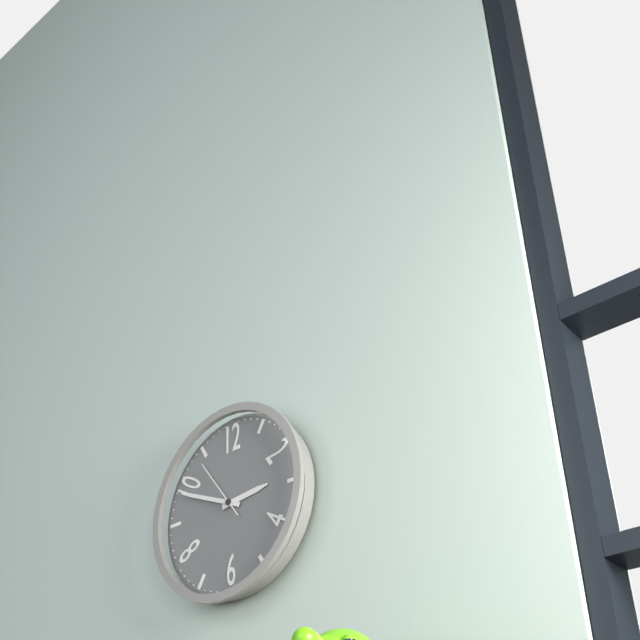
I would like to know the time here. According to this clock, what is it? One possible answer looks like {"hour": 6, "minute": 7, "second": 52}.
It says {"hour": 2, "minute": 49, "second": 54}
